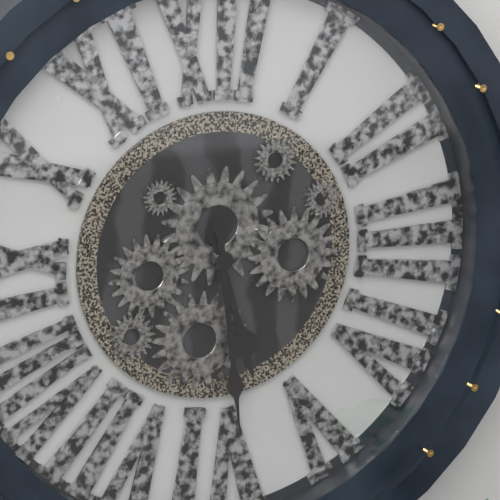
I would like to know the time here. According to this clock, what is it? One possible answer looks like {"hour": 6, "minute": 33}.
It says {"hour": 5, "minute": 29}
